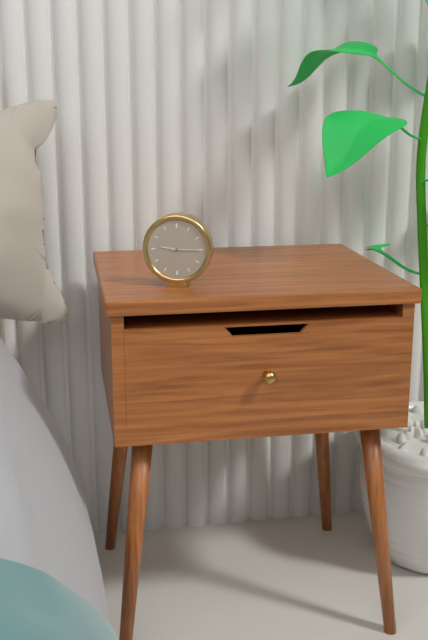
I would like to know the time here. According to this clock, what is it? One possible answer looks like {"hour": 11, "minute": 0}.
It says {"hour": 9, "minute": 15}
